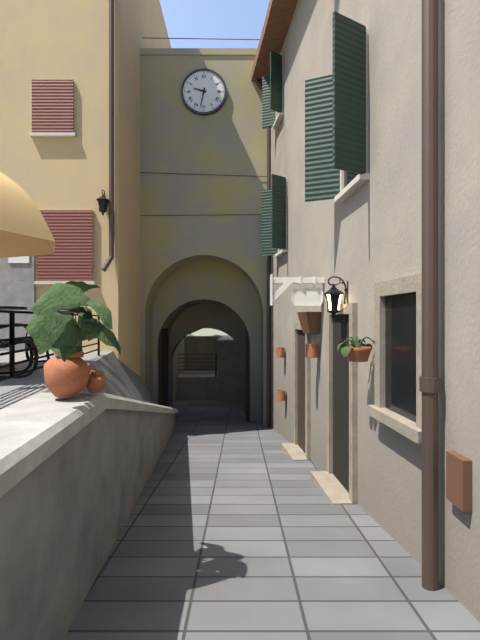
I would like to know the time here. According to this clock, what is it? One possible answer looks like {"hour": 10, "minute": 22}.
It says {"hour": 9, "minute": 32}
